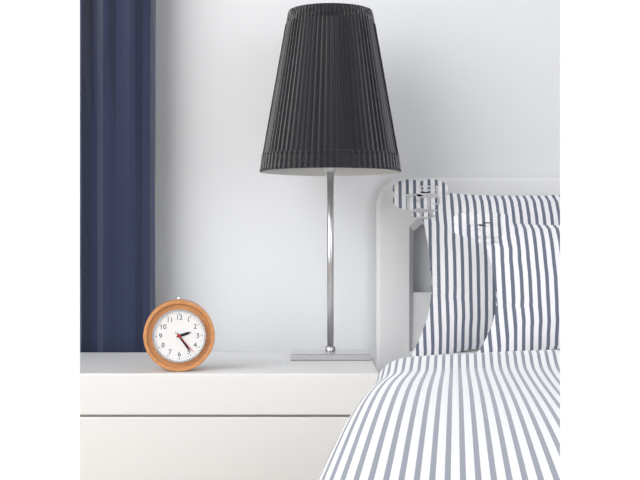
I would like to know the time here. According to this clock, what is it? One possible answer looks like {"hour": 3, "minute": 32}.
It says {"hour": 2, "minute": 24}
